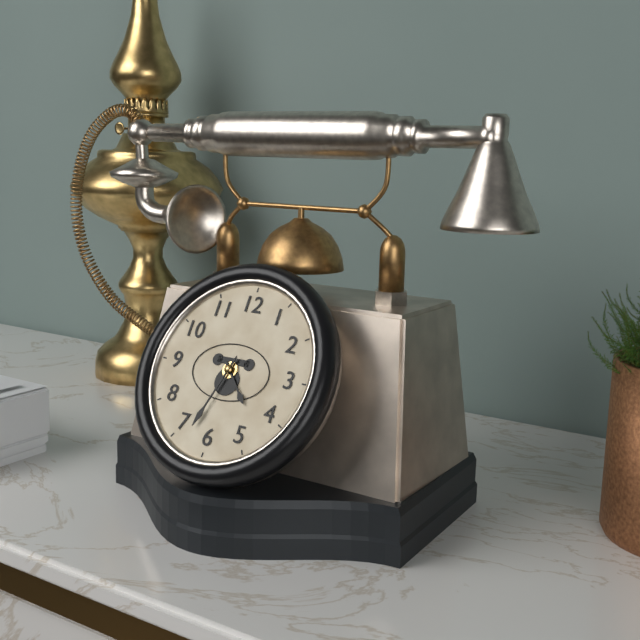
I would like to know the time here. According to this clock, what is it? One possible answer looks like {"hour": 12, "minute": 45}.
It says {"hour": 4, "minute": 33}
